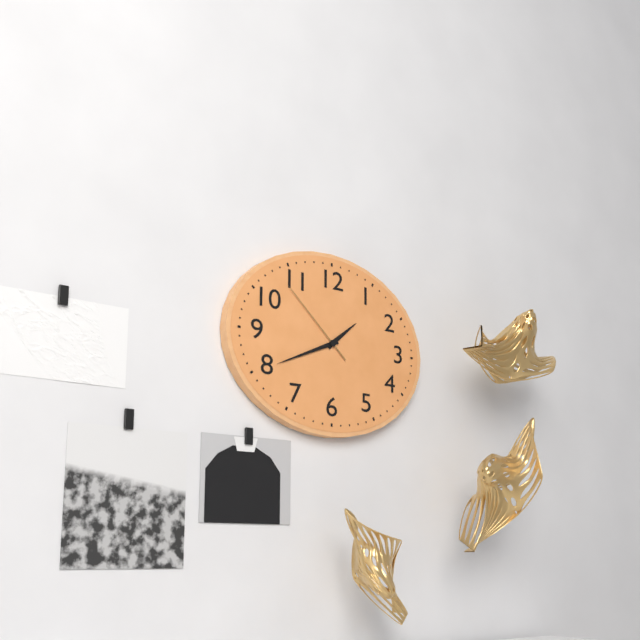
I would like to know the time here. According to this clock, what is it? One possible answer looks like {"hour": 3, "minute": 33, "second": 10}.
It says {"hour": 1, "minute": 41, "second": 52}
